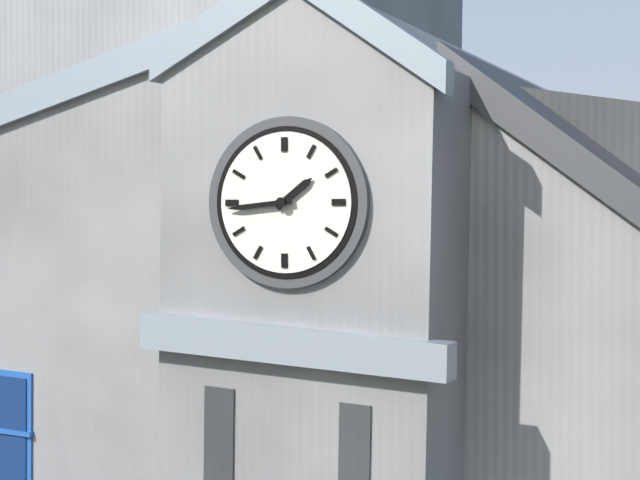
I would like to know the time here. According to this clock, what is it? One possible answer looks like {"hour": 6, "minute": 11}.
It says {"hour": 1, "minute": 44}
